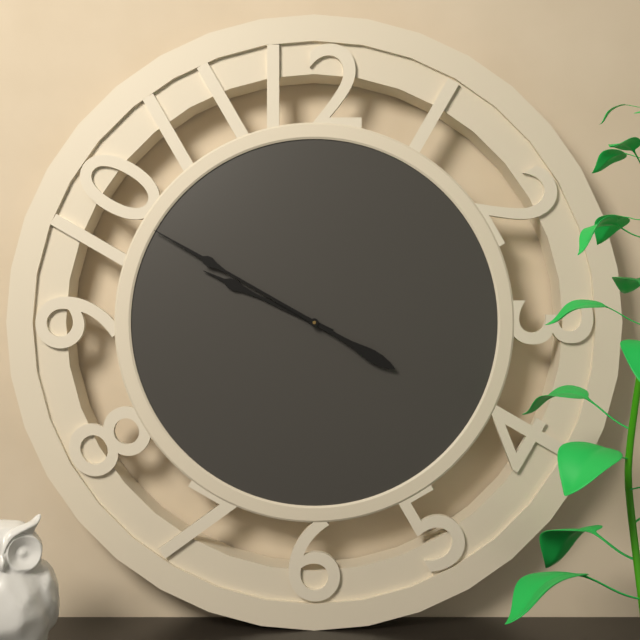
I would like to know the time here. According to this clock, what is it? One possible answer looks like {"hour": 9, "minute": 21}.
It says {"hour": 9, "minute": 50}
